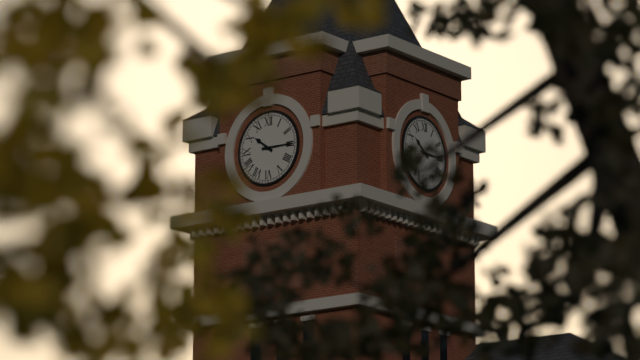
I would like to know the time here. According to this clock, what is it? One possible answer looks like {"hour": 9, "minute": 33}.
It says {"hour": 10, "minute": 15}
